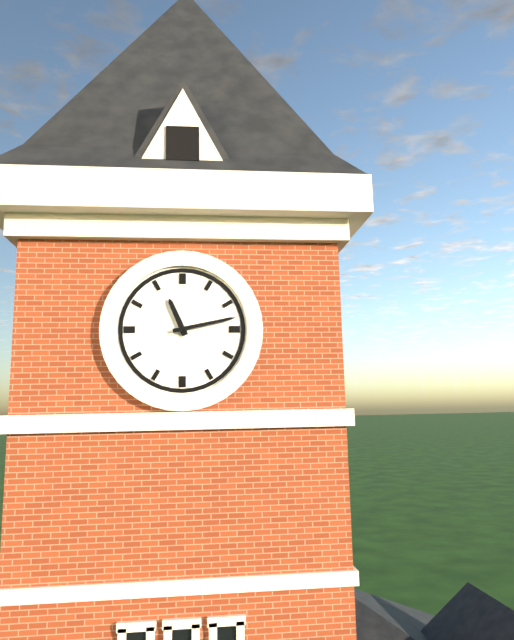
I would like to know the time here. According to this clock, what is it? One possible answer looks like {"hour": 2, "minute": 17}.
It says {"hour": 11, "minute": 13}
